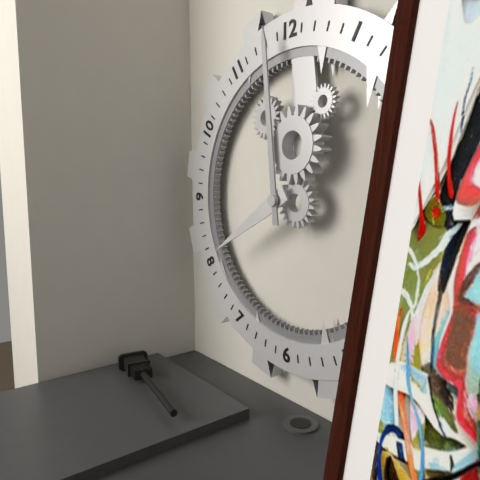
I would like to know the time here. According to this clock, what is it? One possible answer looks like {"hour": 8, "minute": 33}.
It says {"hour": 7, "minute": 59}
